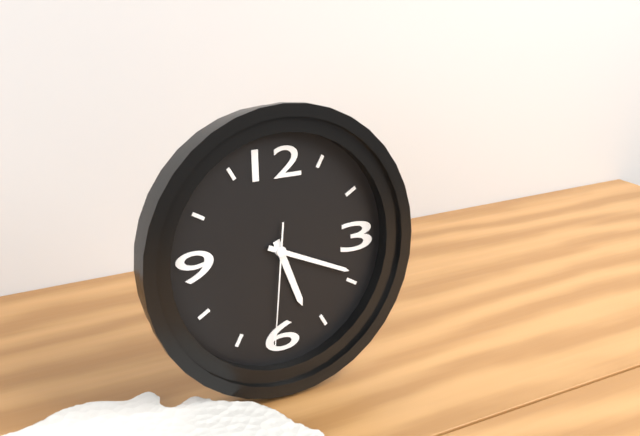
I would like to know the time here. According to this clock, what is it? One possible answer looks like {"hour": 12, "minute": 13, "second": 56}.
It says {"hour": 5, "minute": 19, "second": 31}
